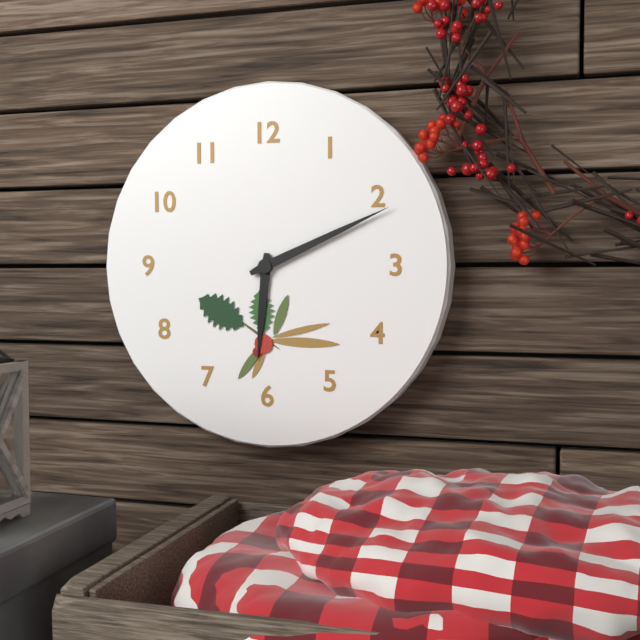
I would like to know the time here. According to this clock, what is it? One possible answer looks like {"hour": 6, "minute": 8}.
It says {"hour": 6, "minute": 11}
